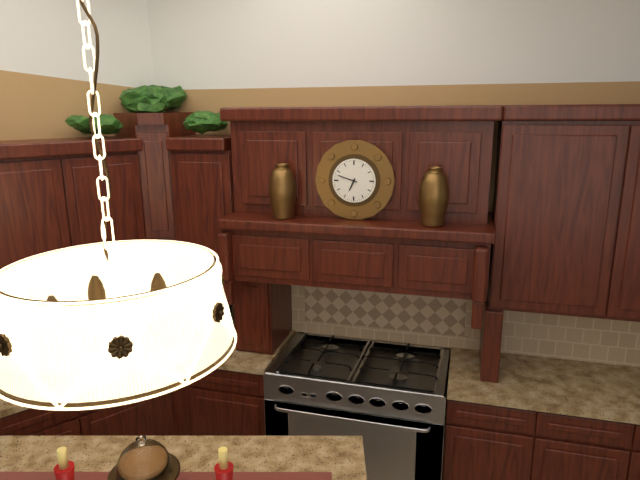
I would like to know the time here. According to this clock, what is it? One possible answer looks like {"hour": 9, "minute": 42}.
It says {"hour": 6, "minute": 48}
